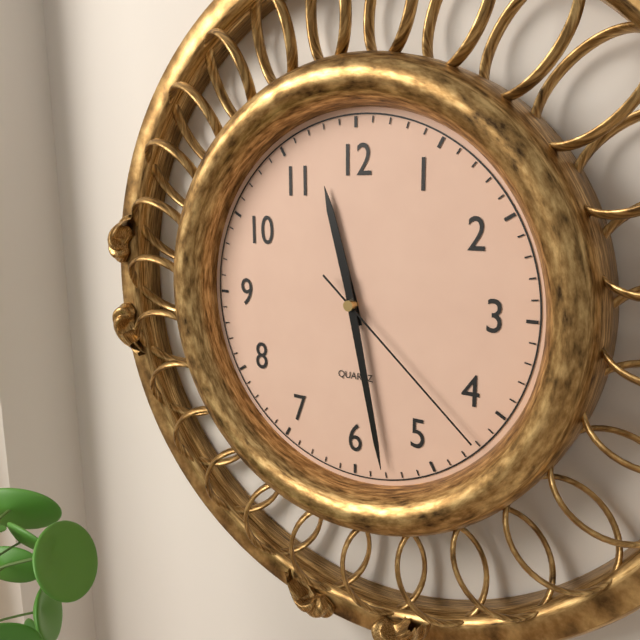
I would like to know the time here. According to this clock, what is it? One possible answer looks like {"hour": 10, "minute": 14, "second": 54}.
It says {"hour": 11, "minute": 28, "second": 22}
